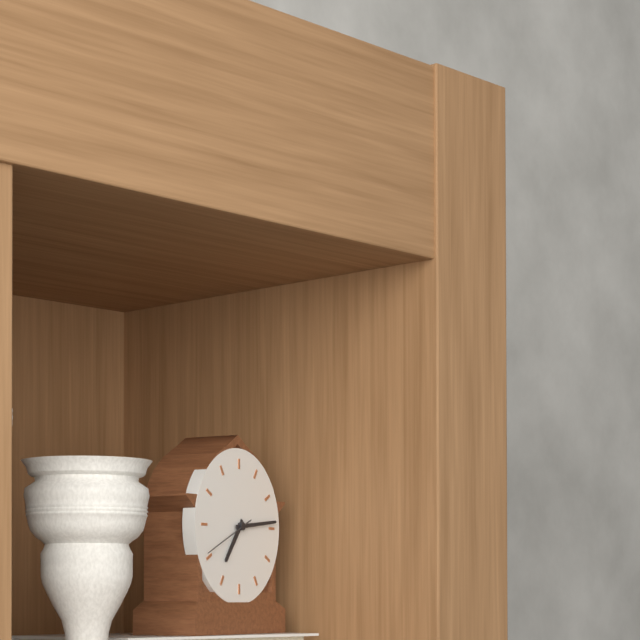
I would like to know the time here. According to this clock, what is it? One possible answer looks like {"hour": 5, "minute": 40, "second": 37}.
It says {"hour": 7, "minute": 14, "second": 41}
